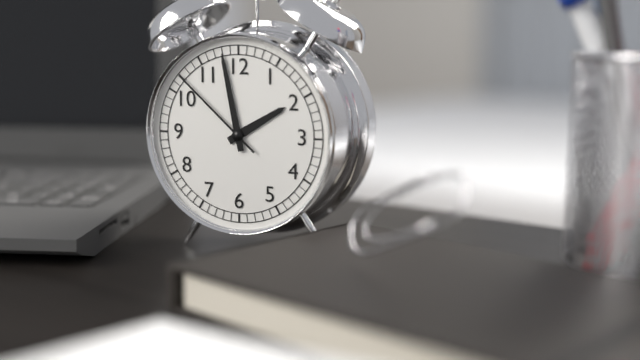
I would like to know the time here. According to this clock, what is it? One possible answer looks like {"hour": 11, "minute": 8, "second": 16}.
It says {"hour": 1, "minute": 58, "second": 52}
